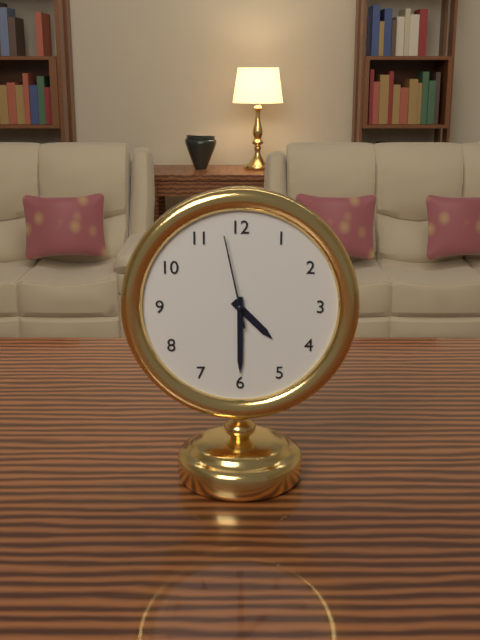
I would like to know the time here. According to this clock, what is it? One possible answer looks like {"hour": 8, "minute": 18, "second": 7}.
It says {"hour": 4, "minute": 30, "second": 58}
